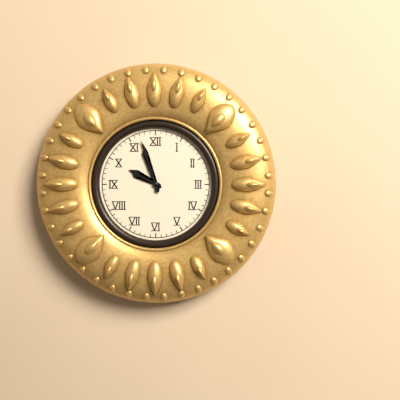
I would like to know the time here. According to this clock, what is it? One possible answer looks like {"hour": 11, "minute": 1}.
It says {"hour": 9, "minute": 57}
